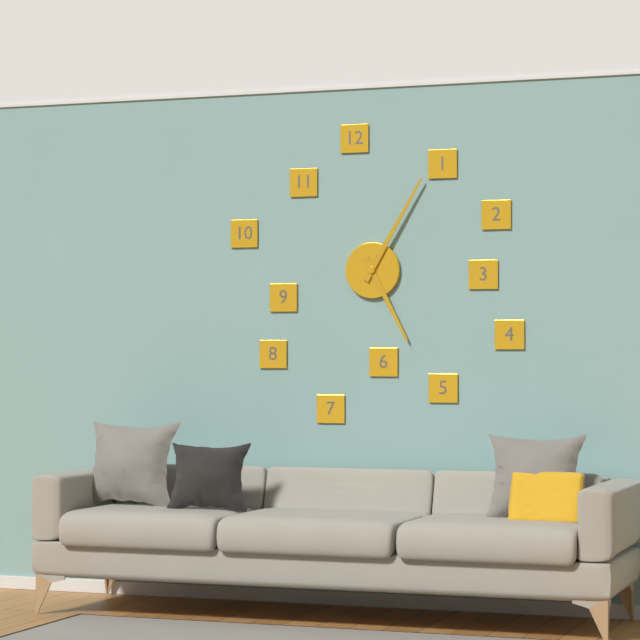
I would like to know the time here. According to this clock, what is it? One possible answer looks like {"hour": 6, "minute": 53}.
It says {"hour": 5, "minute": 5}
